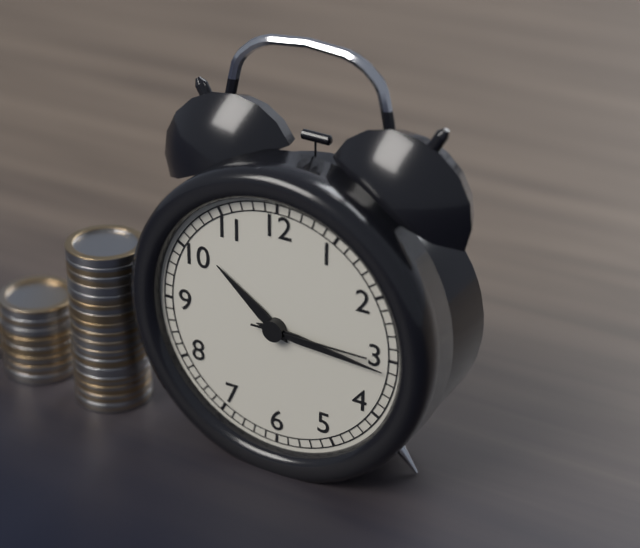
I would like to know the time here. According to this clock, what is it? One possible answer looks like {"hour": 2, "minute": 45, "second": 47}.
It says {"hour": 10, "minute": 16, "second": 15}
